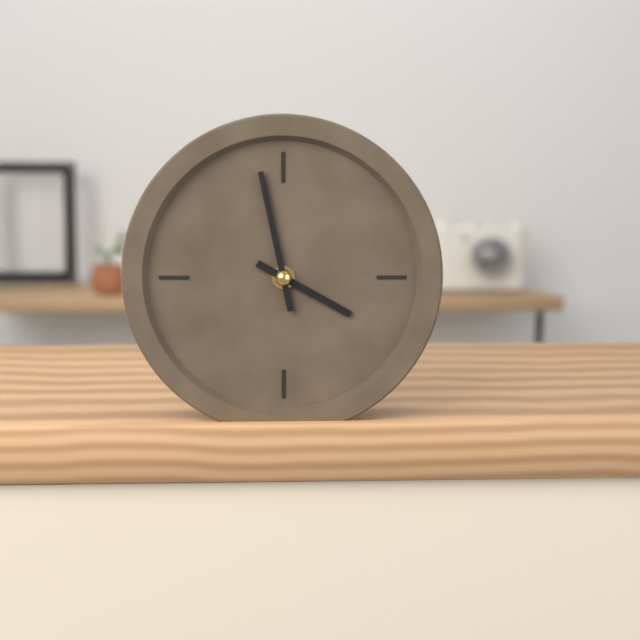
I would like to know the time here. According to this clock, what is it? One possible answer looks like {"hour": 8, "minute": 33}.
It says {"hour": 3, "minute": 58}
